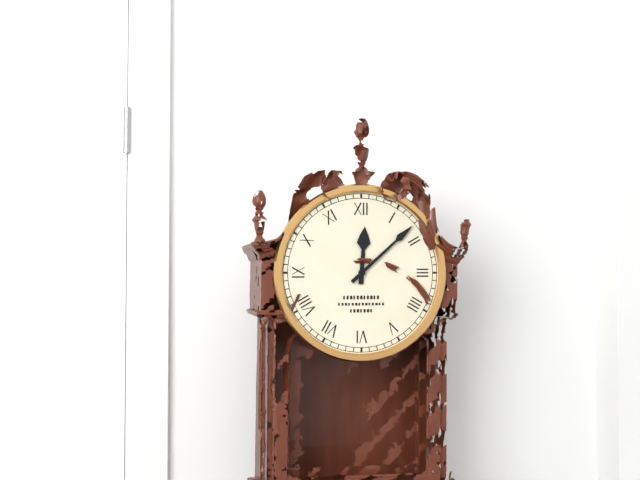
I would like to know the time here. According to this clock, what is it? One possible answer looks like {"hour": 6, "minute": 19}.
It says {"hour": 12, "minute": 8}
